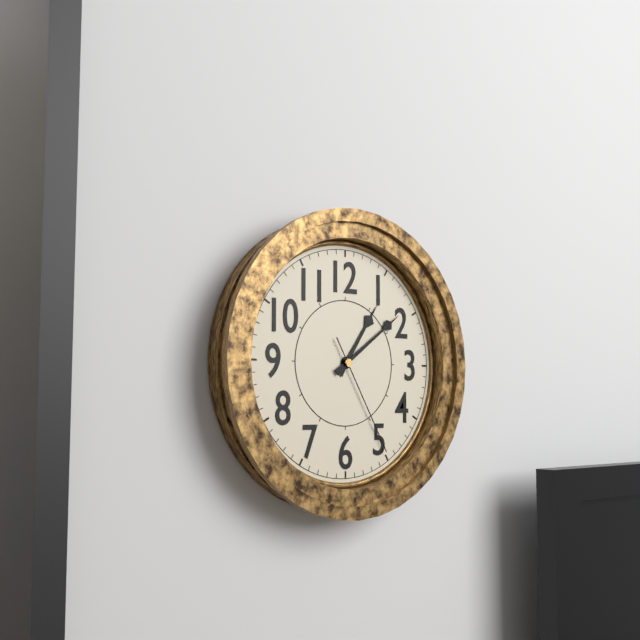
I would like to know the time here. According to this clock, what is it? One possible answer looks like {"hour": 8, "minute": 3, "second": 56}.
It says {"hour": 1, "minute": 9, "second": 25}
